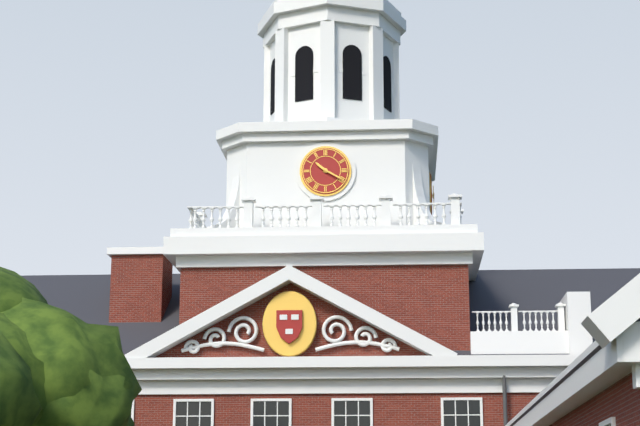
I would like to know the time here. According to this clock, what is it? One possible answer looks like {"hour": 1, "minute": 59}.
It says {"hour": 10, "minute": 20}
